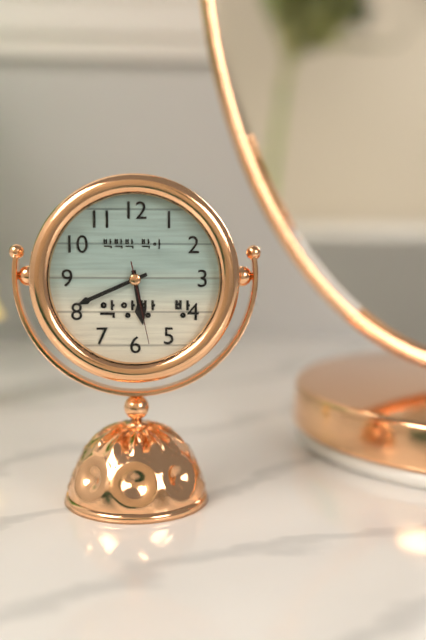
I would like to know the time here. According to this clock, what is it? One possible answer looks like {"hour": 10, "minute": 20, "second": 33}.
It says {"hour": 5, "minute": 41, "second": 28}
